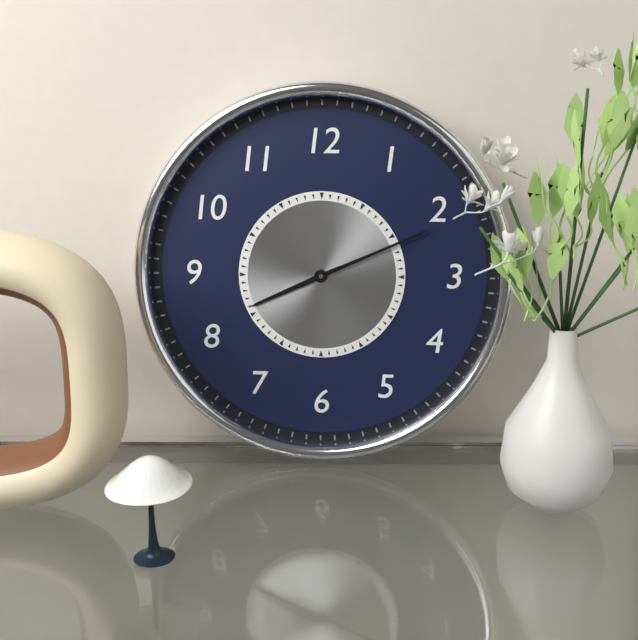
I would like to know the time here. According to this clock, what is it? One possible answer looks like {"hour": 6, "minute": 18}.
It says {"hour": 8, "minute": 11}
